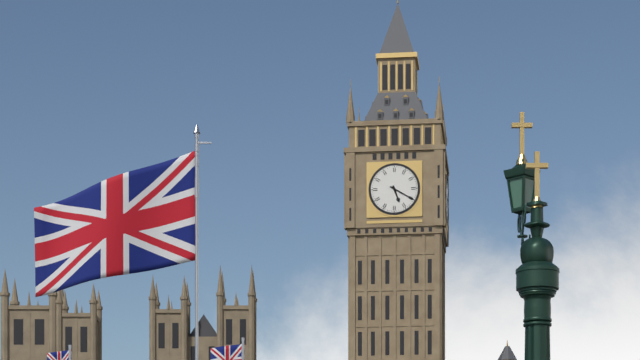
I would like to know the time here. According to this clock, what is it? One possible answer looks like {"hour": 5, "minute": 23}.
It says {"hour": 5, "minute": 20}
